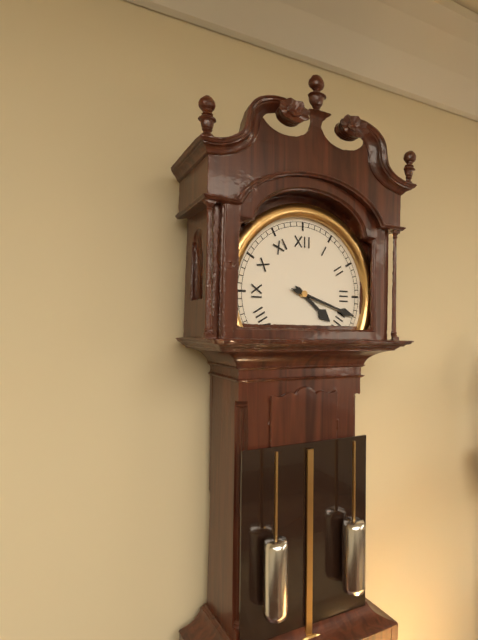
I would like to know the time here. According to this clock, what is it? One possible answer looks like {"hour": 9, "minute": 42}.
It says {"hour": 4, "minute": 18}
